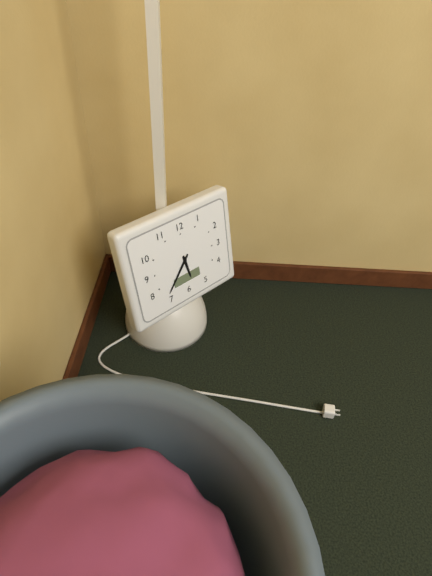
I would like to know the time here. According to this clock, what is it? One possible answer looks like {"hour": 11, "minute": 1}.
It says {"hour": 5, "minute": 37}
